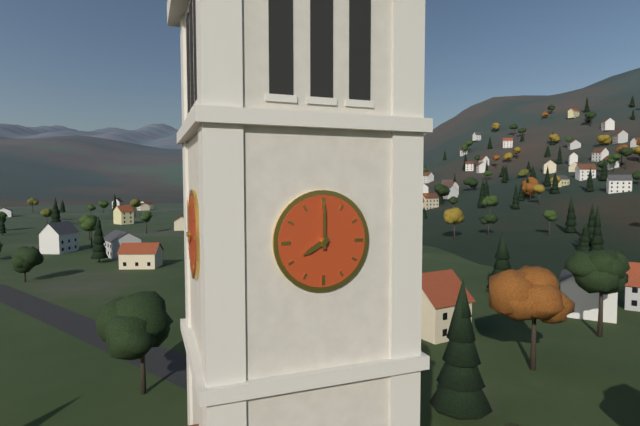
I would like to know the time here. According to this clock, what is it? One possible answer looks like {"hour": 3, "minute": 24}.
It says {"hour": 8, "minute": 0}
